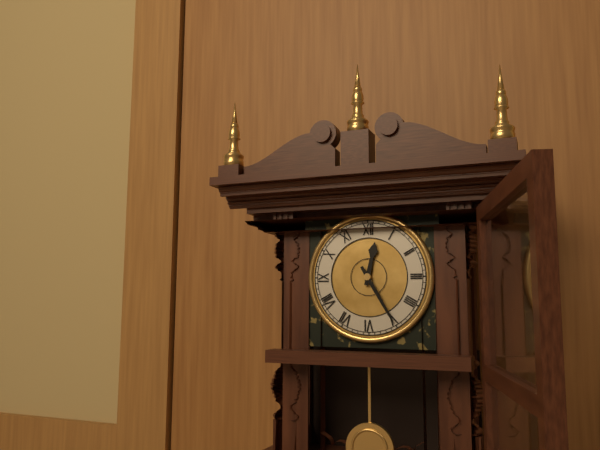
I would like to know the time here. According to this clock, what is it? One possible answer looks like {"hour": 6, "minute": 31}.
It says {"hour": 12, "minute": 25}
